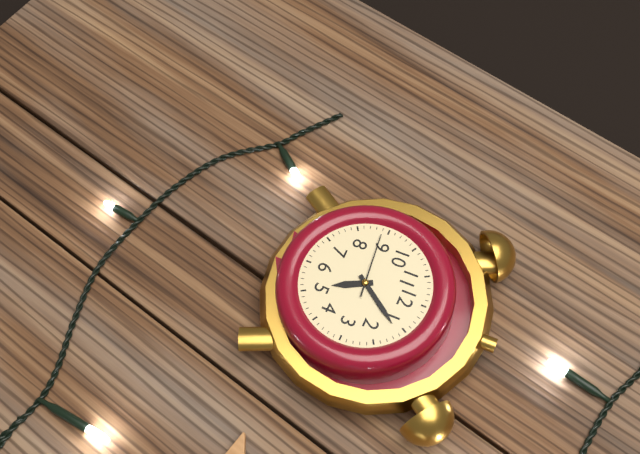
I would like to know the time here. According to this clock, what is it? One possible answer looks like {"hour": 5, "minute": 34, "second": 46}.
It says {"hour": 5, "minute": 6, "second": 44}
